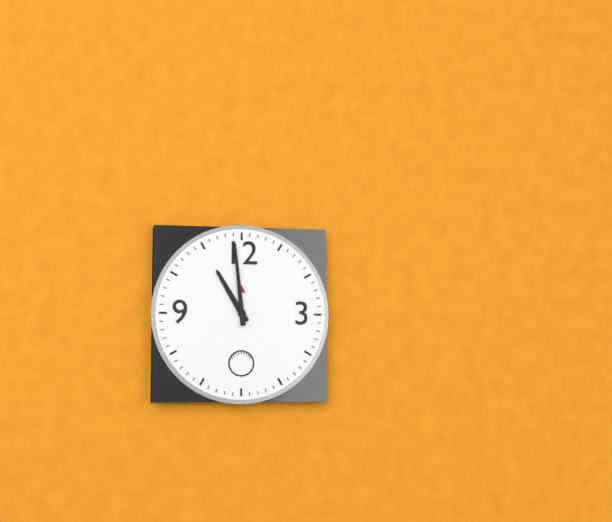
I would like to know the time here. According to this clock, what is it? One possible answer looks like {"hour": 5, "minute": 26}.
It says {"hour": 10, "minute": 59}
